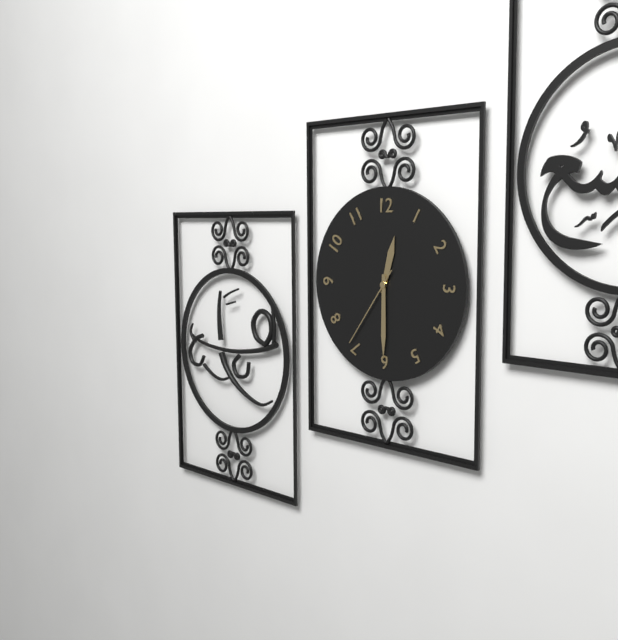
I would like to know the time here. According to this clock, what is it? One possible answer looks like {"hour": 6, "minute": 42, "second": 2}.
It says {"hour": 12, "minute": 30, "second": 36}
